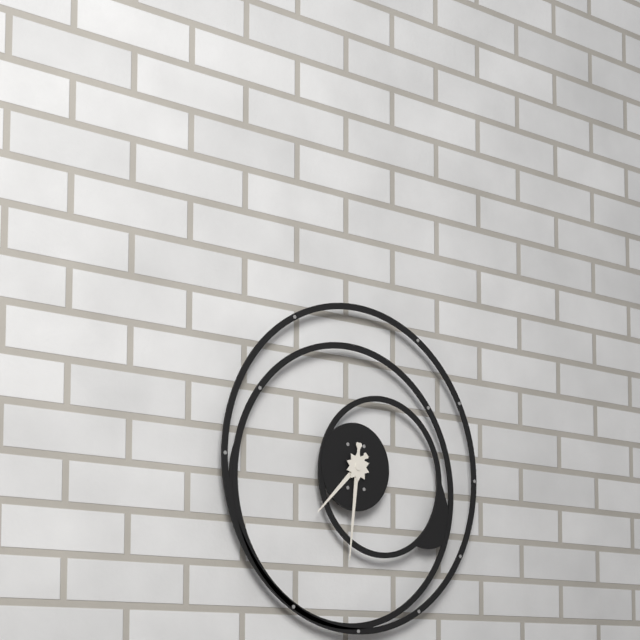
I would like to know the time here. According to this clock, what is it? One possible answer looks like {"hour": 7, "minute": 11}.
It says {"hour": 7, "minute": 31}
